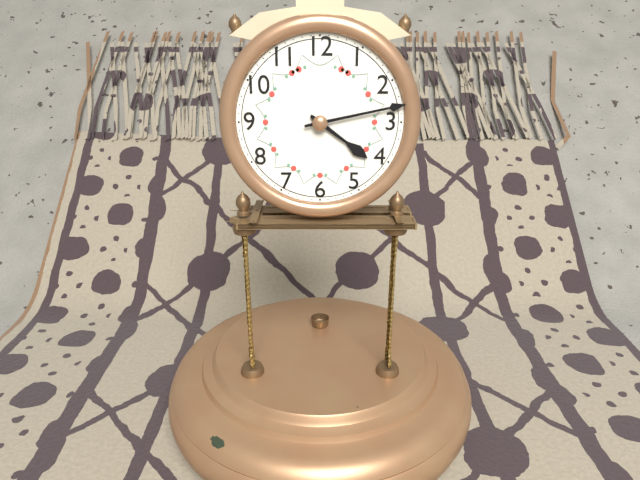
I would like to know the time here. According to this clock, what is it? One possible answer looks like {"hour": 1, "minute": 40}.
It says {"hour": 4, "minute": 13}
